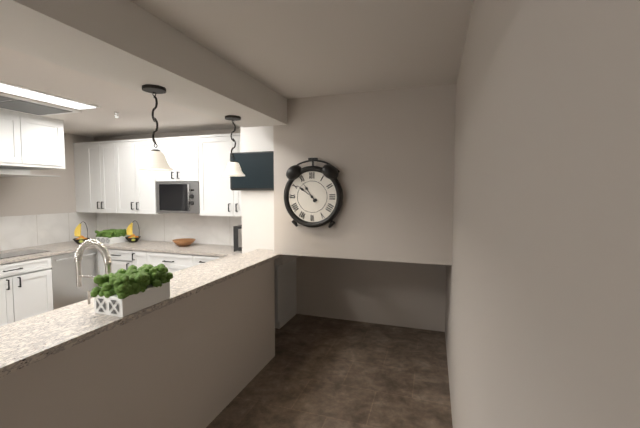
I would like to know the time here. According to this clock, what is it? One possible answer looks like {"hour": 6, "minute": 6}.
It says {"hour": 10, "minute": 51}
